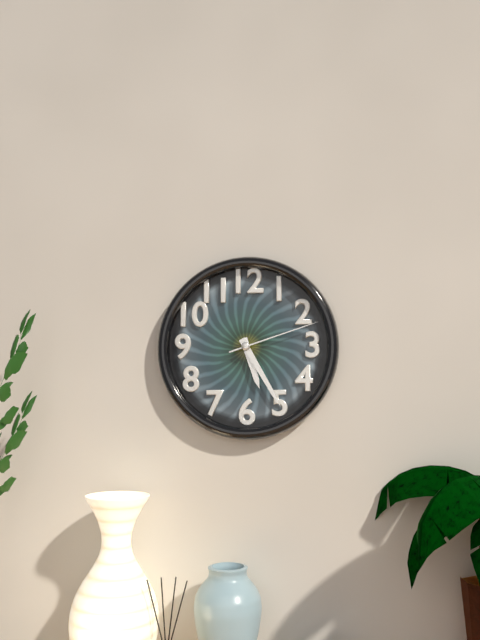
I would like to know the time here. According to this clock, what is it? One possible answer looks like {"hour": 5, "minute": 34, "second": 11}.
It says {"hour": 5, "minute": 25, "second": 12}
